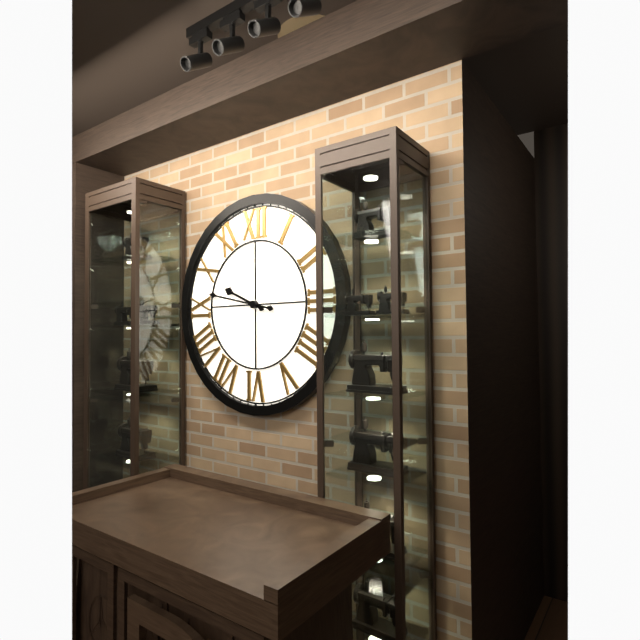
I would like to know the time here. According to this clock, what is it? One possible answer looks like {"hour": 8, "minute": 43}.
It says {"hour": 9, "minute": 47}
